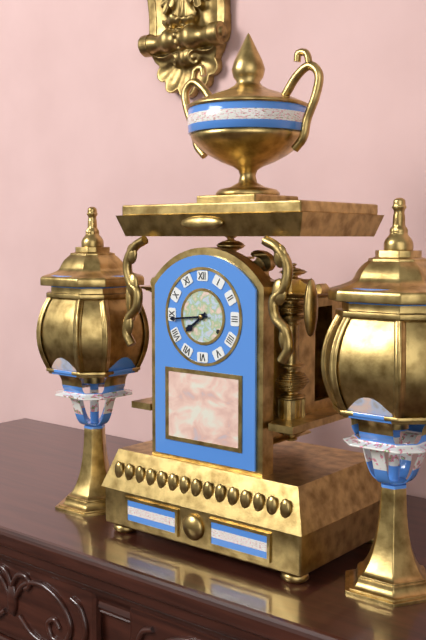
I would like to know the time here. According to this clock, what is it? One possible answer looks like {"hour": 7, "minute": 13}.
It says {"hour": 7, "minute": 44}
